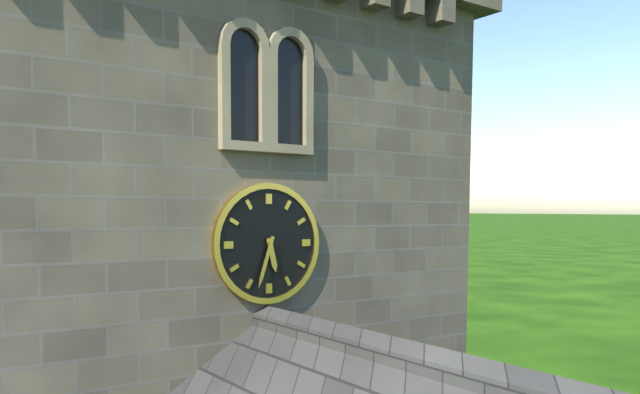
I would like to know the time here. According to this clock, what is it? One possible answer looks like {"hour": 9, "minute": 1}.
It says {"hour": 5, "minute": 33}
